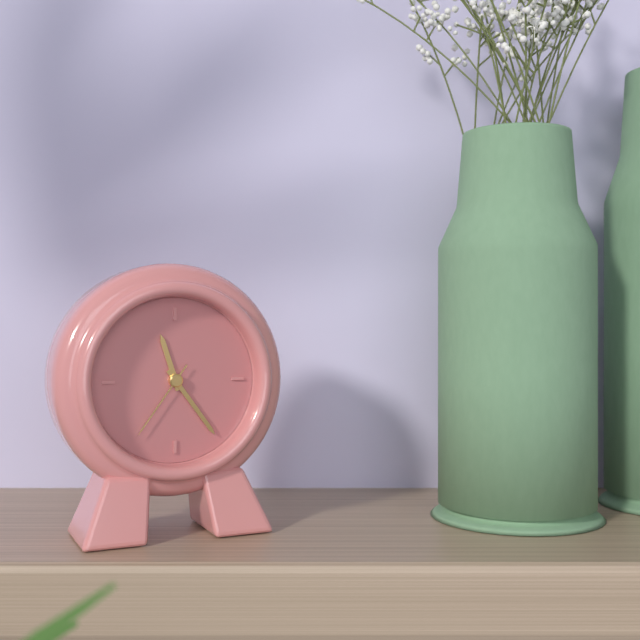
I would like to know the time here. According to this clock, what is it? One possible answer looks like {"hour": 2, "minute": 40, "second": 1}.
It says {"hour": 11, "minute": 24, "second": 36}
